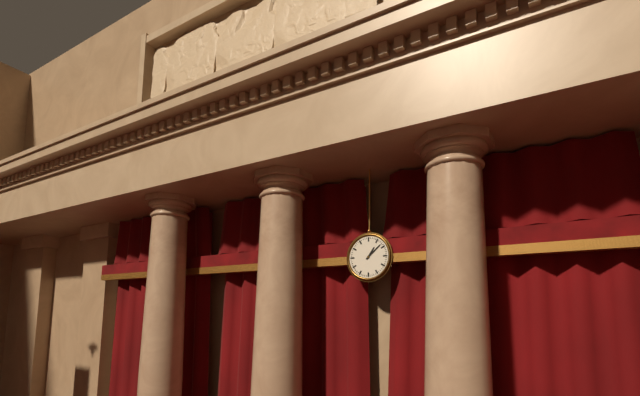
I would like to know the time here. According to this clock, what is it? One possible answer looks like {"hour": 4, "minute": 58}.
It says {"hour": 1, "minute": 8}
